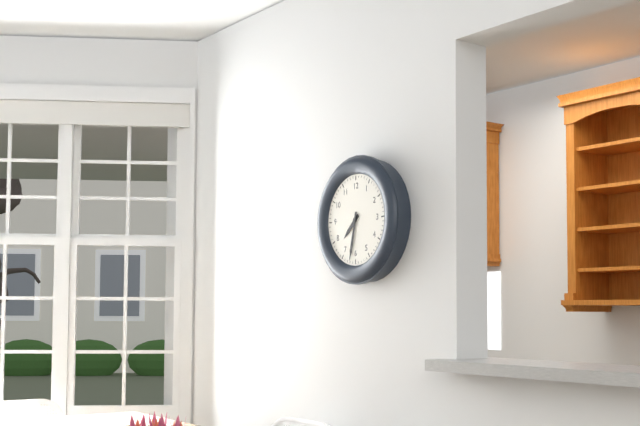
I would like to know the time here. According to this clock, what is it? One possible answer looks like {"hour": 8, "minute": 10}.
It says {"hour": 7, "minute": 32}
